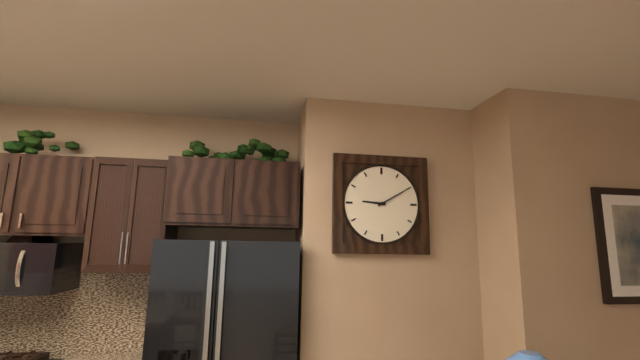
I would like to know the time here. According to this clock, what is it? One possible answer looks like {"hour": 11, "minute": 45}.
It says {"hour": 9, "minute": 10}
